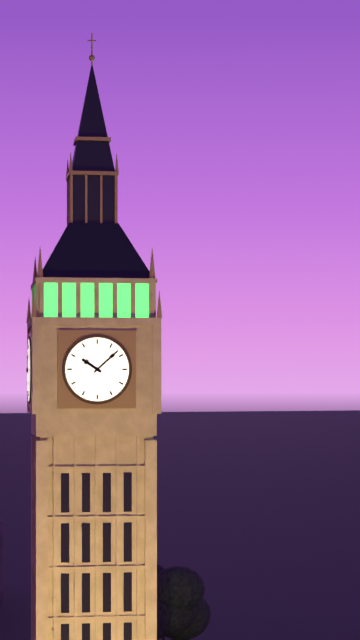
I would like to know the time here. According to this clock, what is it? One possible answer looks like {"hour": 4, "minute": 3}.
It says {"hour": 10, "minute": 8}
